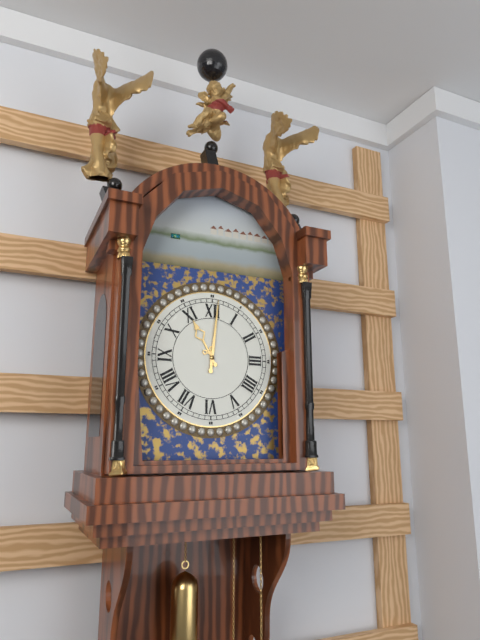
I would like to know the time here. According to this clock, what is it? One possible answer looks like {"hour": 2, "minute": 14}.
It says {"hour": 11, "minute": 1}
